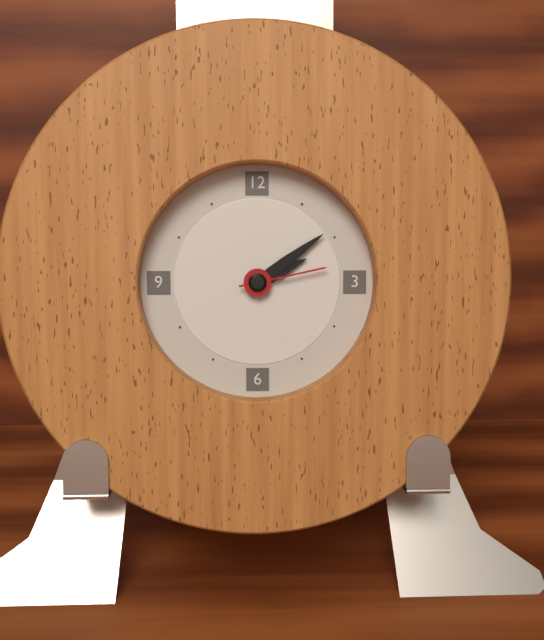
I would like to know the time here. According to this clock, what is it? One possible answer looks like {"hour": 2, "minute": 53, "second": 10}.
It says {"hour": 2, "minute": 9, "second": 13}
